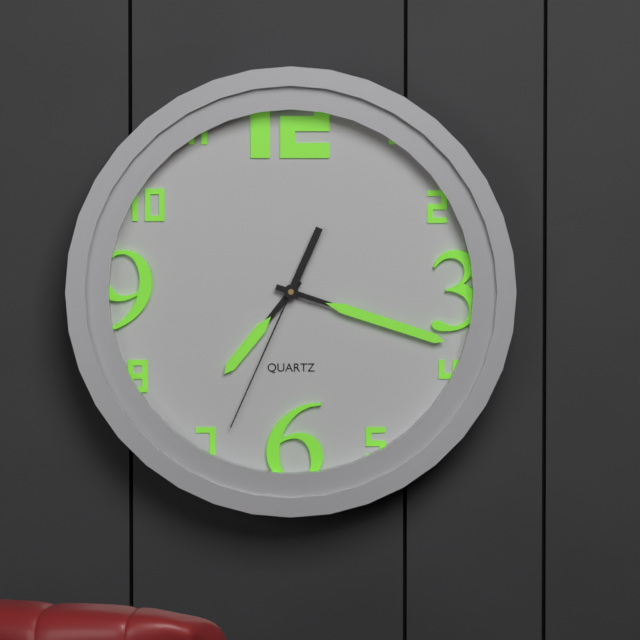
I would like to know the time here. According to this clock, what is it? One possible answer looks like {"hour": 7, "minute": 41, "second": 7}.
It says {"hour": 7, "minute": 18, "second": 34}
